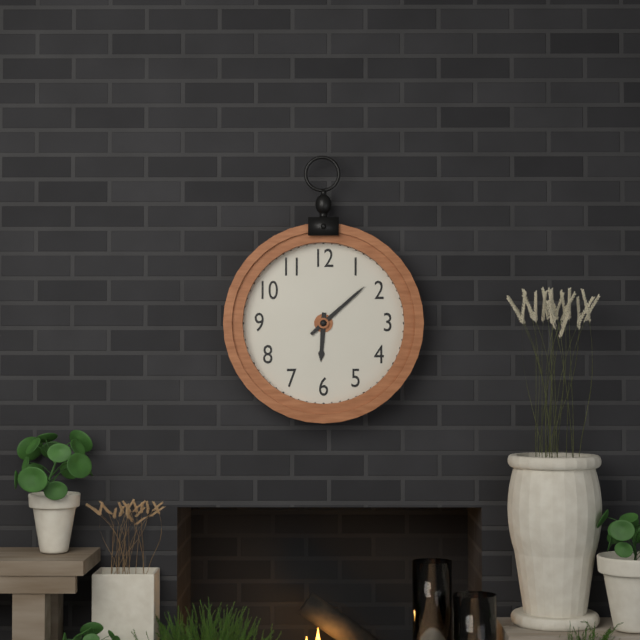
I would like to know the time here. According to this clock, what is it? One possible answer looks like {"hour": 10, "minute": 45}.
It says {"hour": 6, "minute": 8}
